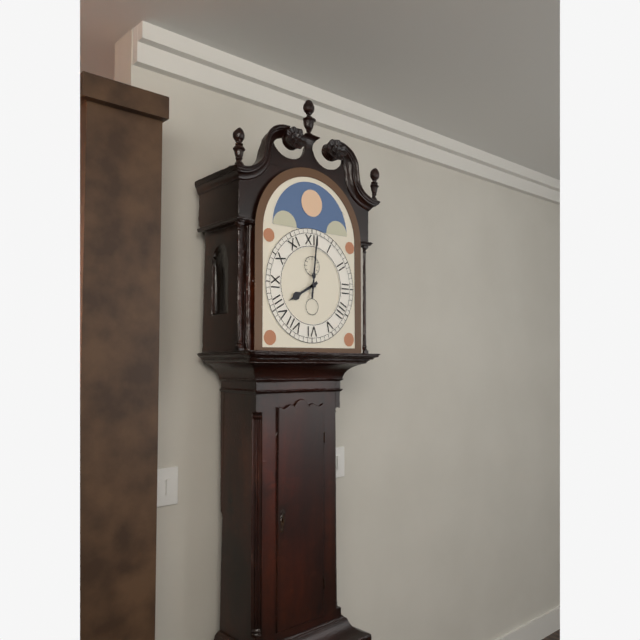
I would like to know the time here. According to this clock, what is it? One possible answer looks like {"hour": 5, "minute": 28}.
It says {"hour": 8, "minute": 1}
